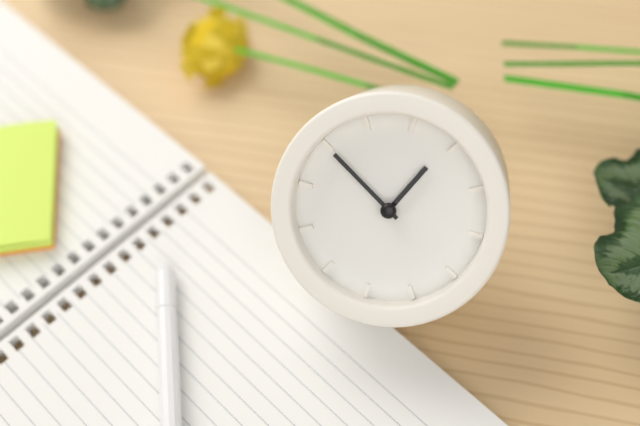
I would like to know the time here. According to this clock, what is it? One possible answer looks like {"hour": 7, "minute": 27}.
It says {"hour": 12, "minute": 50}
